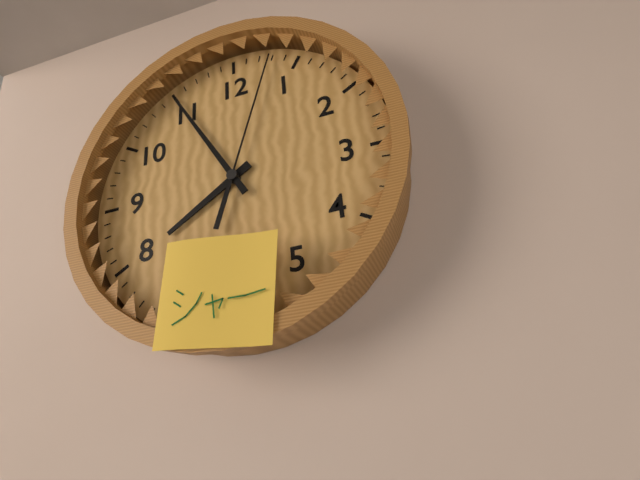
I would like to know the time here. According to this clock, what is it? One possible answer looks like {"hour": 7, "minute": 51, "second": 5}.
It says {"hour": 7, "minute": 55, "second": 3}
